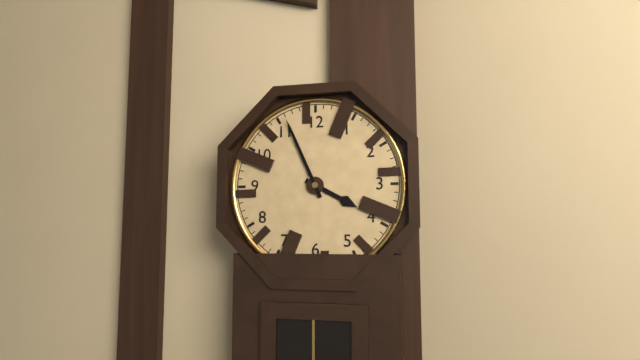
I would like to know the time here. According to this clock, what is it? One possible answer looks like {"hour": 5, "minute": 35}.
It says {"hour": 3, "minute": 56}
